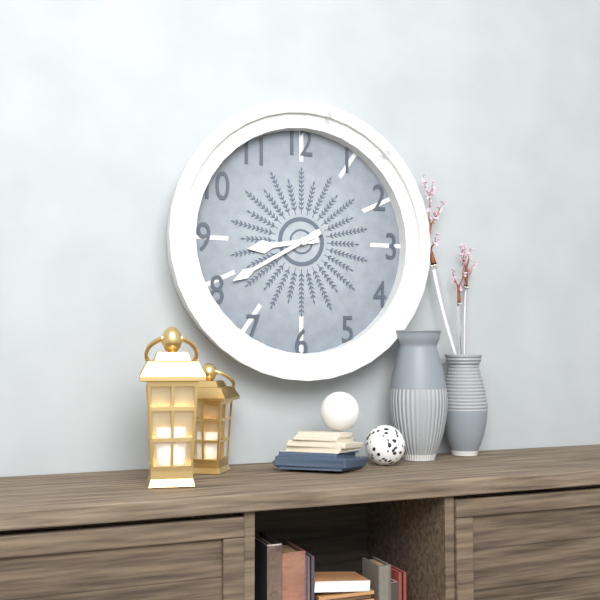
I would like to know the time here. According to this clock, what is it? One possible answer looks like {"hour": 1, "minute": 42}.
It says {"hour": 8, "minute": 40}
